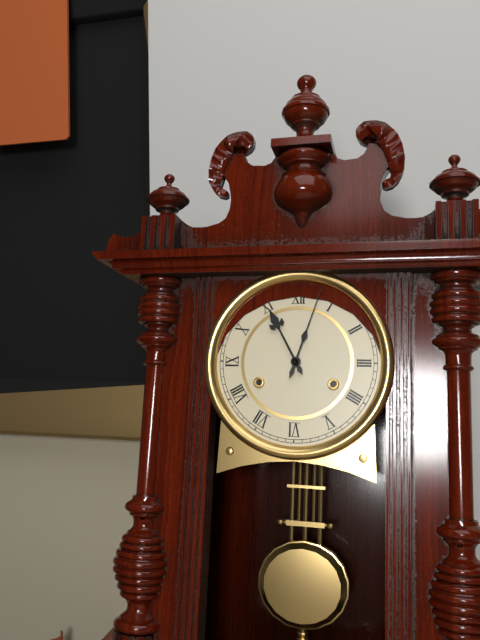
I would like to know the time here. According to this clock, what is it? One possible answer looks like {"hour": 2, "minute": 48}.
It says {"hour": 11, "minute": 3}
